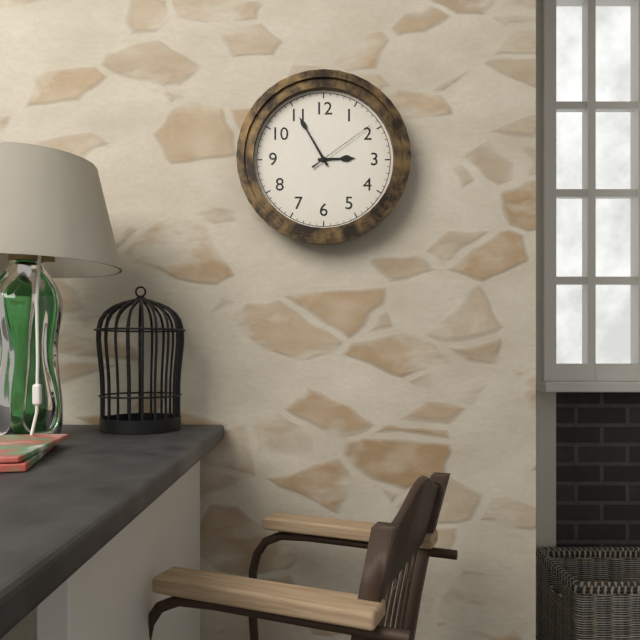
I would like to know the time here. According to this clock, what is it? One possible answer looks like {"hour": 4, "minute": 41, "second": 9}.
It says {"hour": 2, "minute": 55, "second": 9}
